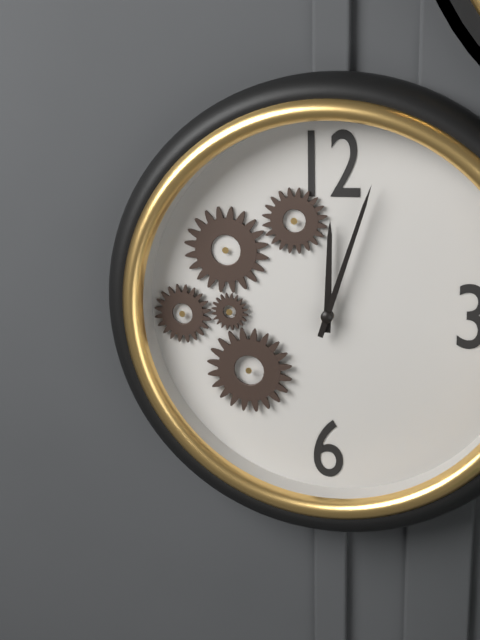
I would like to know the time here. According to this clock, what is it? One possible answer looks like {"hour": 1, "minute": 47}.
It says {"hour": 12, "minute": 3}
